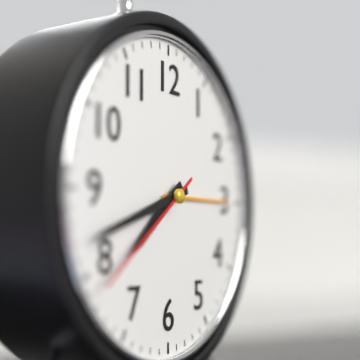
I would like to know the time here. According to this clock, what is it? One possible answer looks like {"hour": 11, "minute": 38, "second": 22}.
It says {"hour": 7, "minute": 42, "second": 39}
